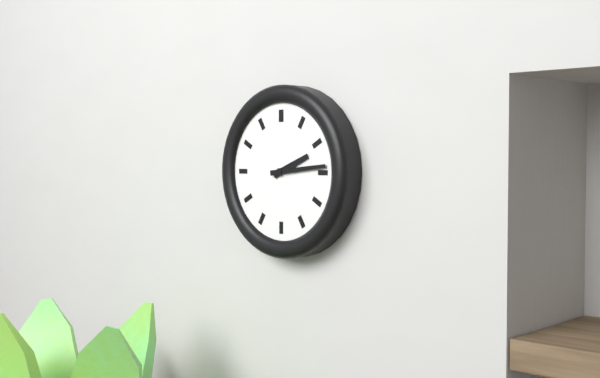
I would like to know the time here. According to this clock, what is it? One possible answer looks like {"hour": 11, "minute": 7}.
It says {"hour": 2, "minute": 14}
